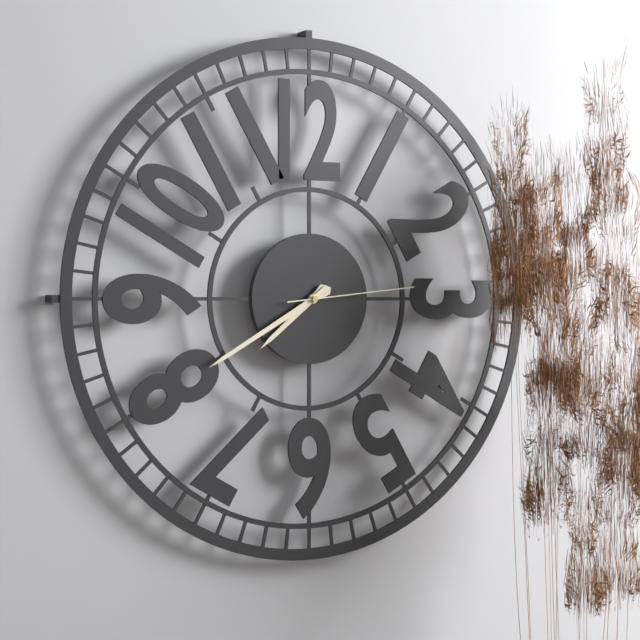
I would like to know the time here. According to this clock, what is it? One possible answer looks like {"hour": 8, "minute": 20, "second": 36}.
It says {"hour": 7, "minute": 40, "second": 14}
